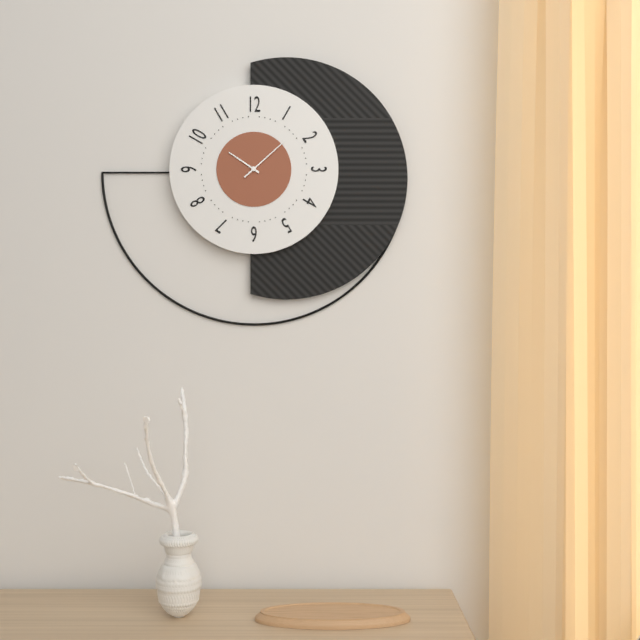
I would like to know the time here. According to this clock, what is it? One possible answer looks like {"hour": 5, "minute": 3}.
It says {"hour": 10, "minute": 8}
